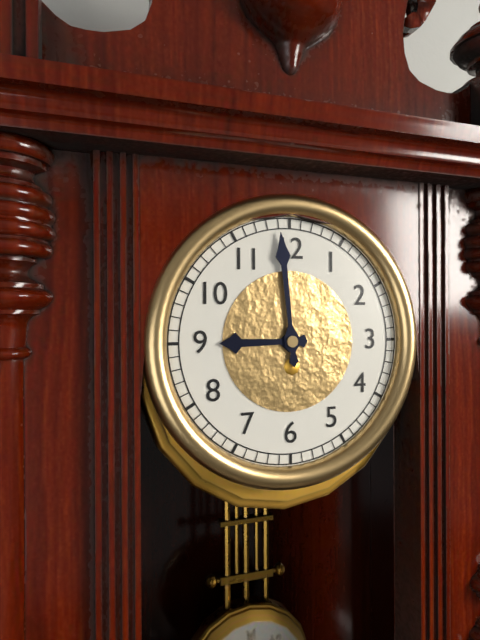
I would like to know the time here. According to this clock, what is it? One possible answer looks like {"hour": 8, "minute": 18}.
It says {"hour": 8, "minute": 59}
